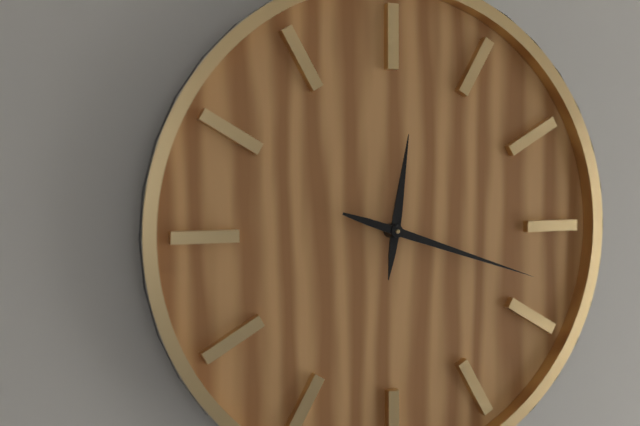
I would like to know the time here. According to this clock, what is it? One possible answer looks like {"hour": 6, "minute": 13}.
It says {"hour": 12, "minute": 18}
